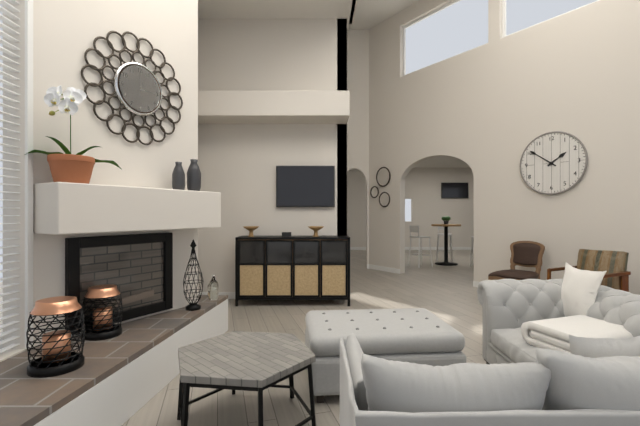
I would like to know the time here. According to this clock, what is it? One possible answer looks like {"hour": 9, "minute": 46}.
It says {"hour": 1, "minute": 51}
